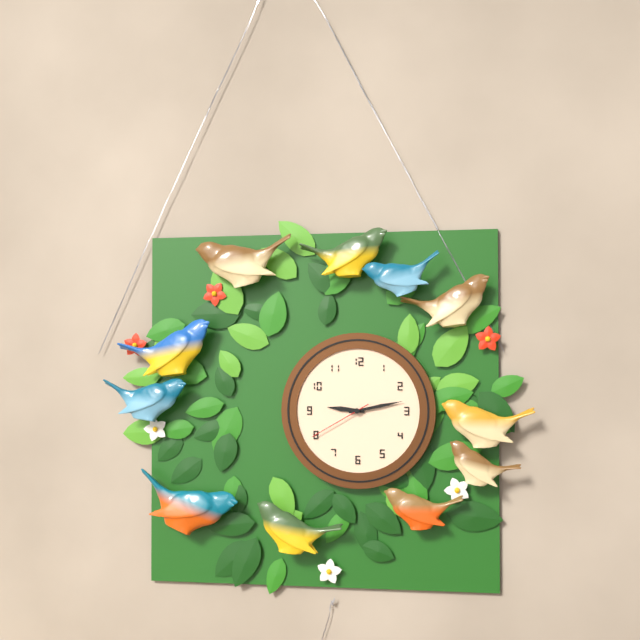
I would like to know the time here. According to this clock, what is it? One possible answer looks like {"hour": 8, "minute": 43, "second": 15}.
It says {"hour": 9, "minute": 13, "second": 40}
